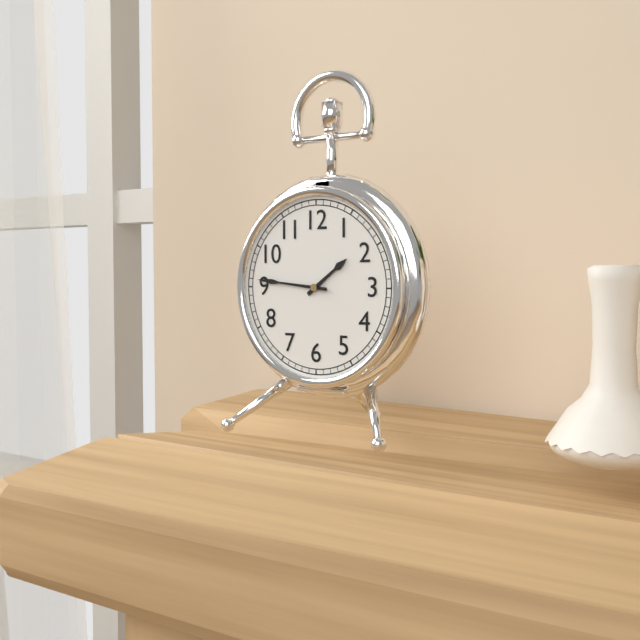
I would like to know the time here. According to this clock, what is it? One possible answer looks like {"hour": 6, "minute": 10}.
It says {"hour": 1, "minute": 46}
